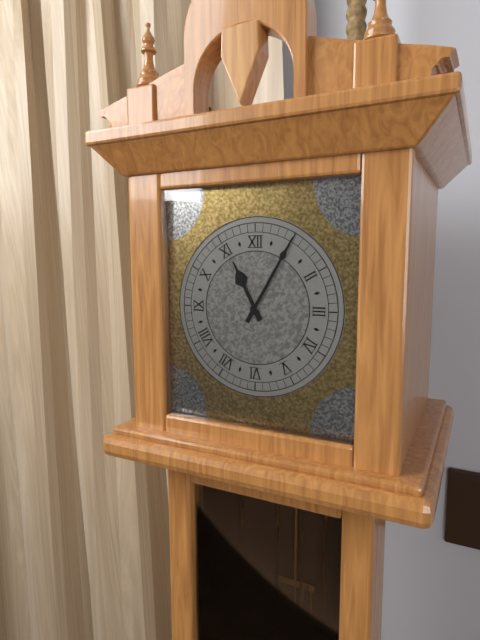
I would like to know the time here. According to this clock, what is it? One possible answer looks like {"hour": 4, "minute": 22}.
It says {"hour": 11, "minute": 5}
